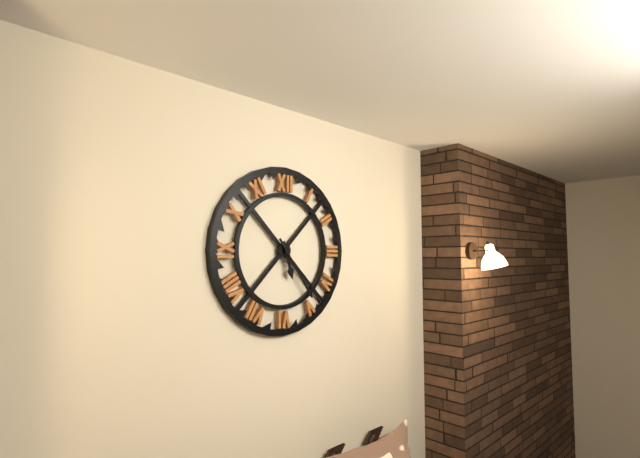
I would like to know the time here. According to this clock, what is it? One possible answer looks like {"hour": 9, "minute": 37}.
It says {"hour": 5, "minute": 24}
